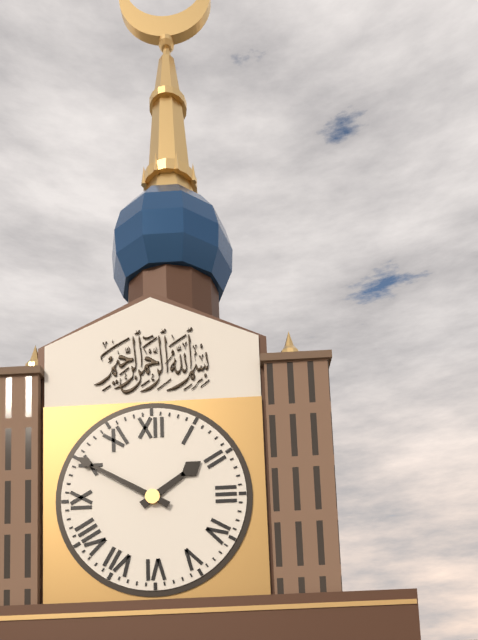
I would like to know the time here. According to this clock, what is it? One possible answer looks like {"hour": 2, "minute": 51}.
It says {"hour": 1, "minute": 50}
